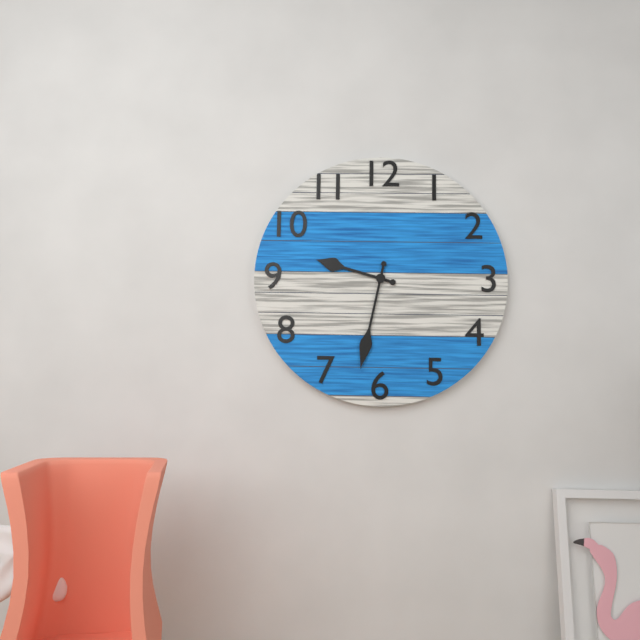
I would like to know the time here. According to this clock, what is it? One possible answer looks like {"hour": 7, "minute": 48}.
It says {"hour": 9, "minute": 32}
